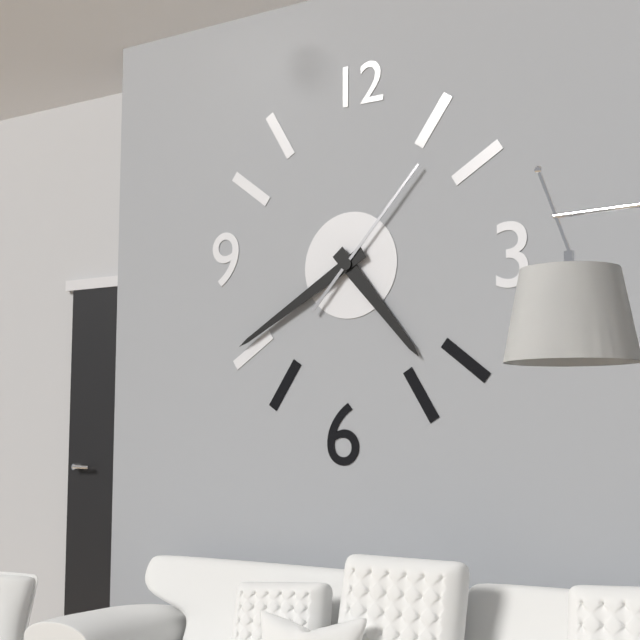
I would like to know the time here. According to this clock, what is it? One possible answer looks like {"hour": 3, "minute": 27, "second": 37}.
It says {"hour": 4, "minute": 40, "second": 7}
